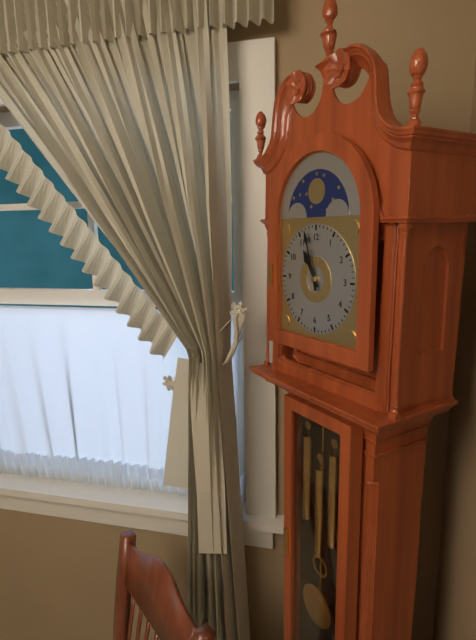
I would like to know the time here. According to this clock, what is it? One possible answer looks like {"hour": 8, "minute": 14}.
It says {"hour": 10, "minute": 57}
